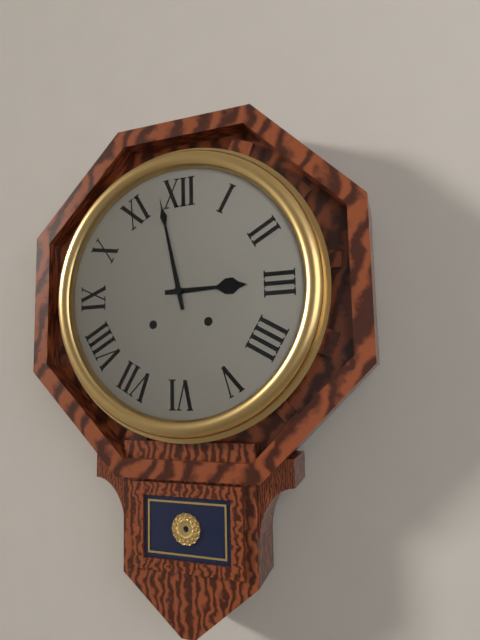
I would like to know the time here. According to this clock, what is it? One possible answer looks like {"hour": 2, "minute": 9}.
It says {"hour": 2, "minute": 58}
